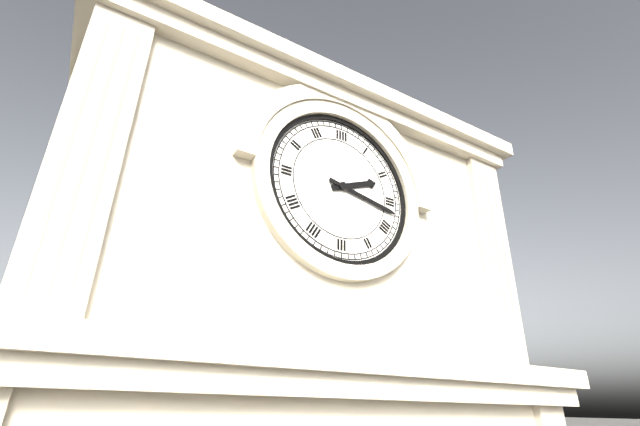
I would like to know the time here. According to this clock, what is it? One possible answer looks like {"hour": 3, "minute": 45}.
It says {"hour": 2, "minute": 17}
